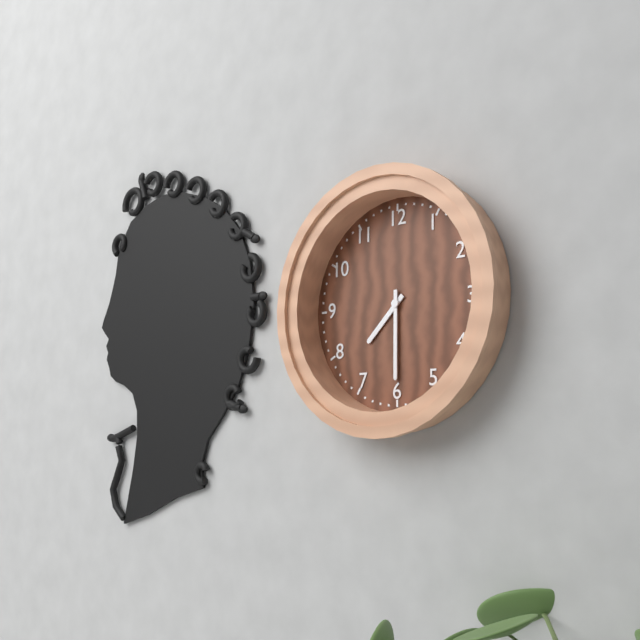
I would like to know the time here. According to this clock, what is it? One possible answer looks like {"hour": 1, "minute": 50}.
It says {"hour": 7, "minute": 30}
